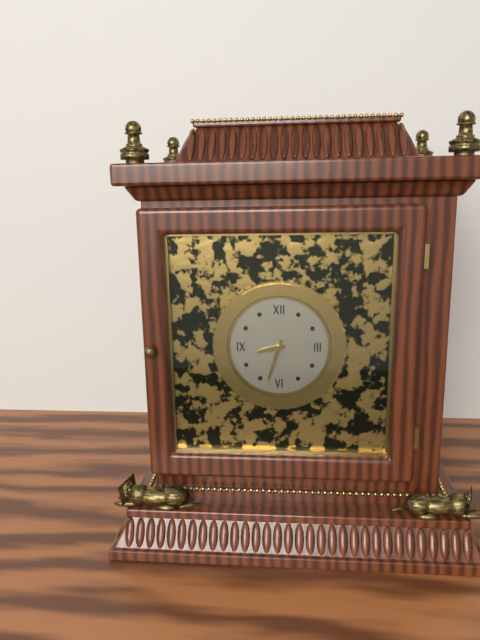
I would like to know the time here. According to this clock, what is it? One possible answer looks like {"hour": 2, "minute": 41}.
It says {"hour": 8, "minute": 33}
